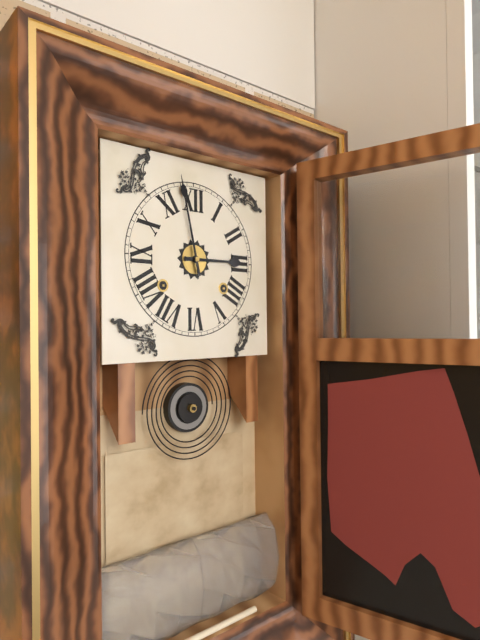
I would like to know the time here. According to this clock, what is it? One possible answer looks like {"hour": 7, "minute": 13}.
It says {"hour": 2, "minute": 58}
